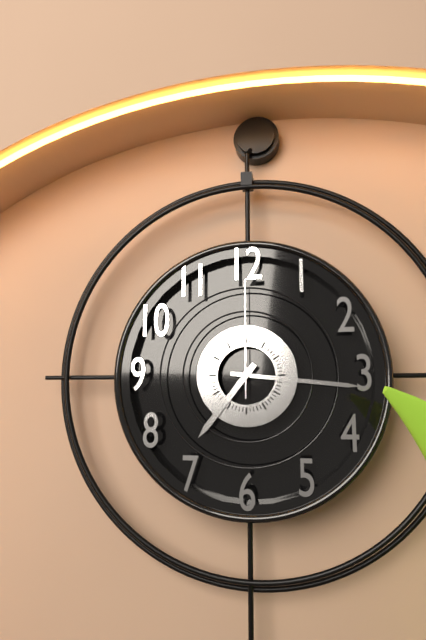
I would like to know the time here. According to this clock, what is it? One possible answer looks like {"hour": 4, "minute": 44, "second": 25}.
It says {"hour": 7, "minute": 16, "second": 0}
